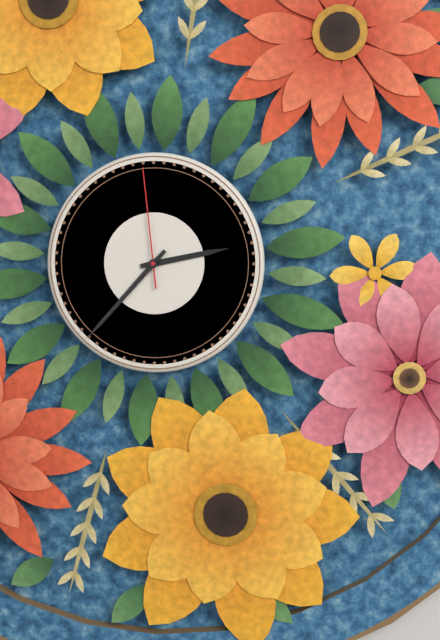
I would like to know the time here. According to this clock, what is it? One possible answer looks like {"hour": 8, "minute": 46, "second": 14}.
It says {"hour": 2, "minute": 37, "second": 59}
